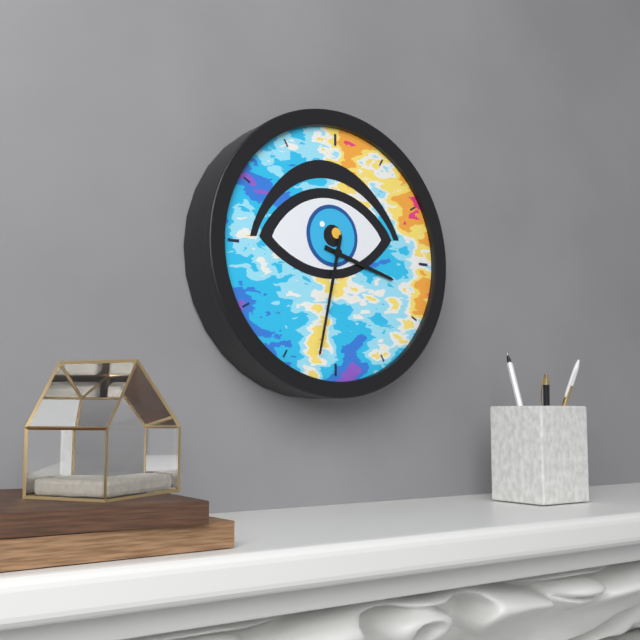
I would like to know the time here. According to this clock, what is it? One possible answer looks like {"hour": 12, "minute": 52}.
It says {"hour": 3, "minute": 32}
